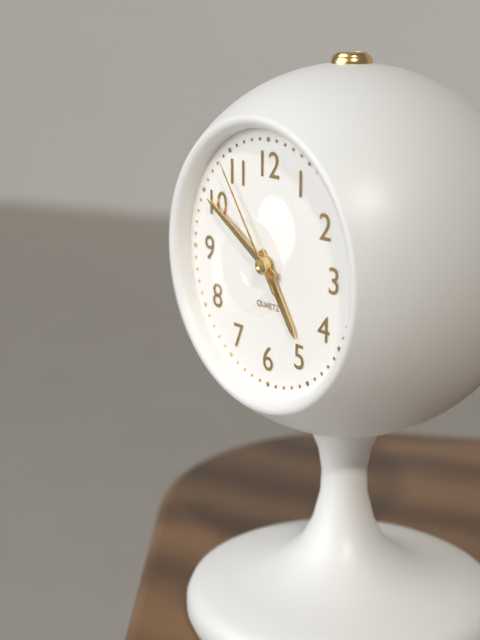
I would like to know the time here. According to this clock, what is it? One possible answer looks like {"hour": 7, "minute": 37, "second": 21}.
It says {"hour": 4, "minute": 50, "second": 54}
